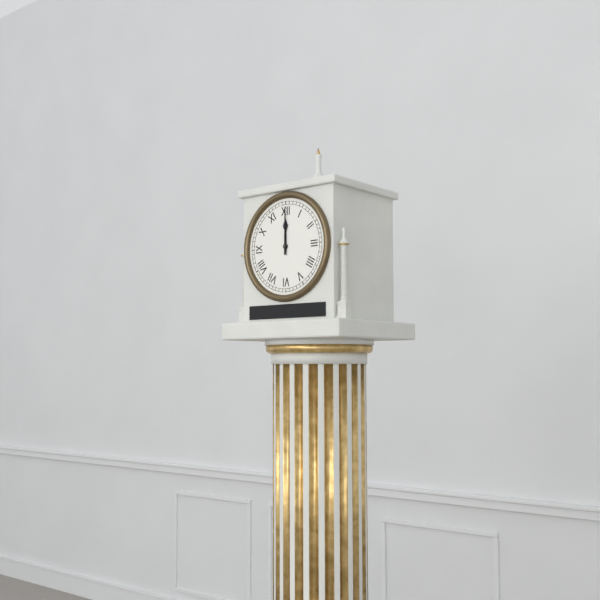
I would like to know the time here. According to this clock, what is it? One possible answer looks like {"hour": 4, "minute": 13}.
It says {"hour": 12, "minute": 0}
